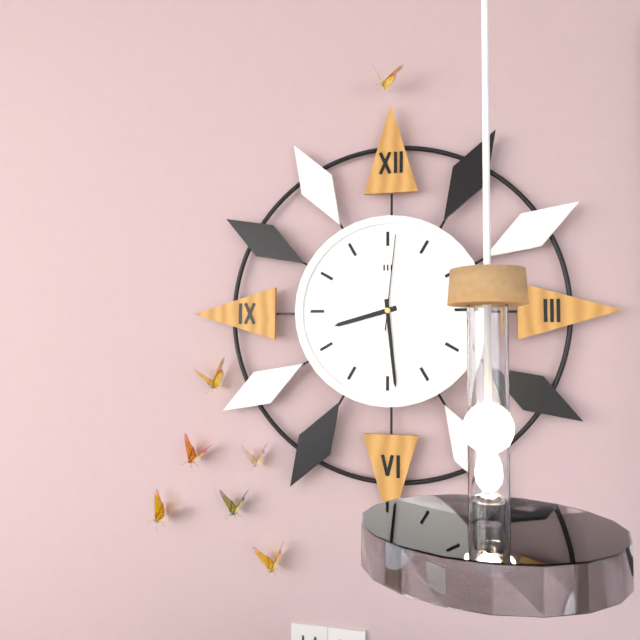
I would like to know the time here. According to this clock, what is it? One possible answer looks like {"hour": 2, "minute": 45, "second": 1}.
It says {"hour": 8, "minute": 29, "second": 1}
